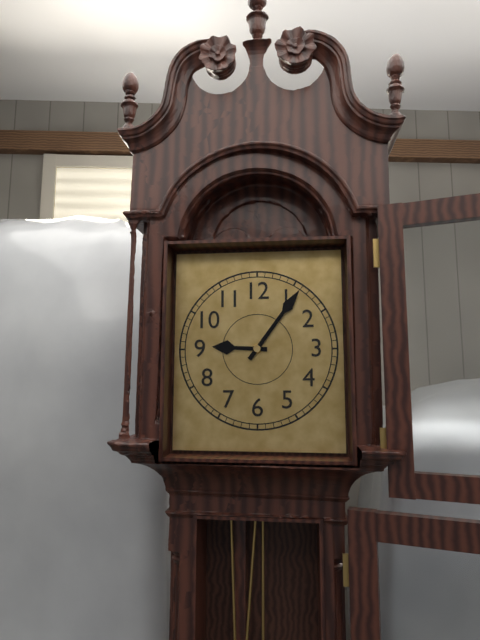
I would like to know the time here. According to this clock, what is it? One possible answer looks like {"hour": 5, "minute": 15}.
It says {"hour": 9, "minute": 6}
